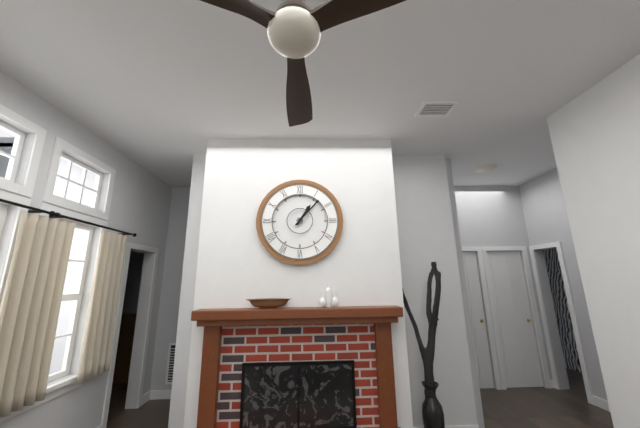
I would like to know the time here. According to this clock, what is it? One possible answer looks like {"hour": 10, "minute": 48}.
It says {"hour": 1, "minute": 7}
